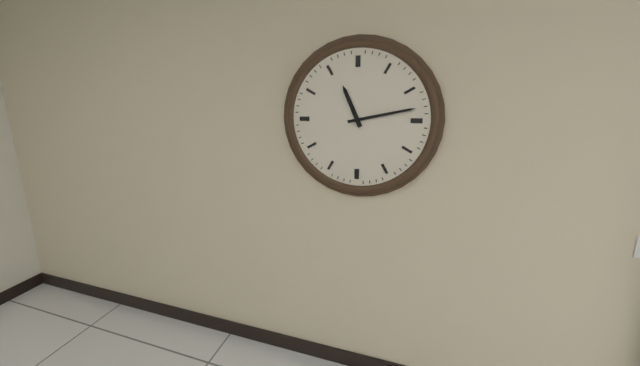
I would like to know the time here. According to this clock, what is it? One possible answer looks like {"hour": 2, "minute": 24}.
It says {"hour": 11, "minute": 13}
